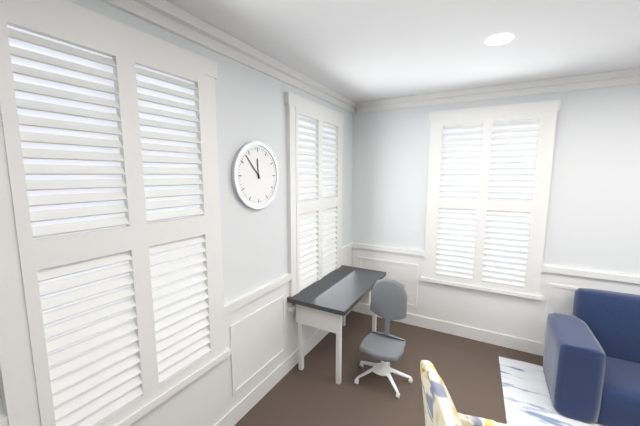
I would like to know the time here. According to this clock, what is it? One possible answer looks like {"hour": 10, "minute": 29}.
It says {"hour": 11, "minute": 53}
